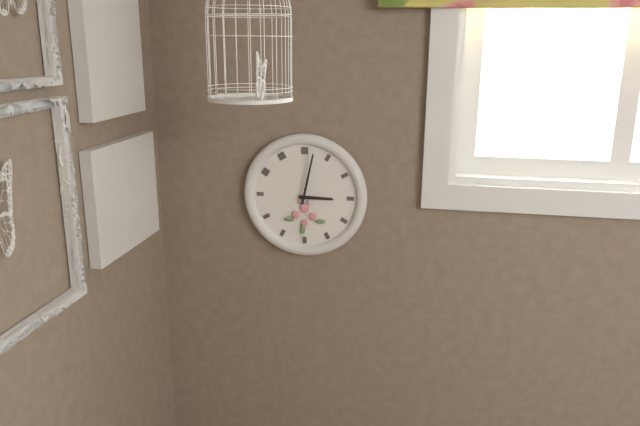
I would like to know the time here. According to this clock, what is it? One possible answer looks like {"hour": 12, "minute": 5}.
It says {"hour": 3, "minute": 2}
